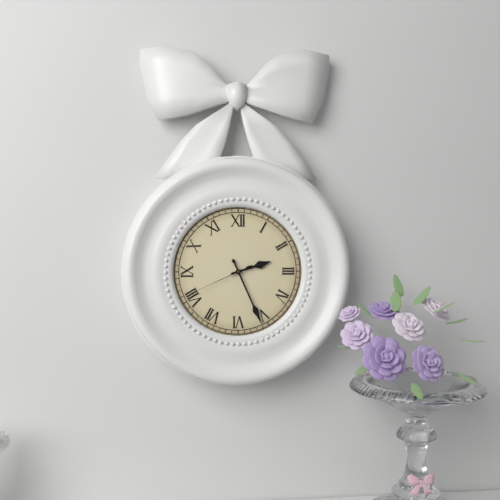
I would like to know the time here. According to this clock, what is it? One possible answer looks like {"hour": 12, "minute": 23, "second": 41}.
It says {"hour": 2, "minute": 26, "second": 41}
